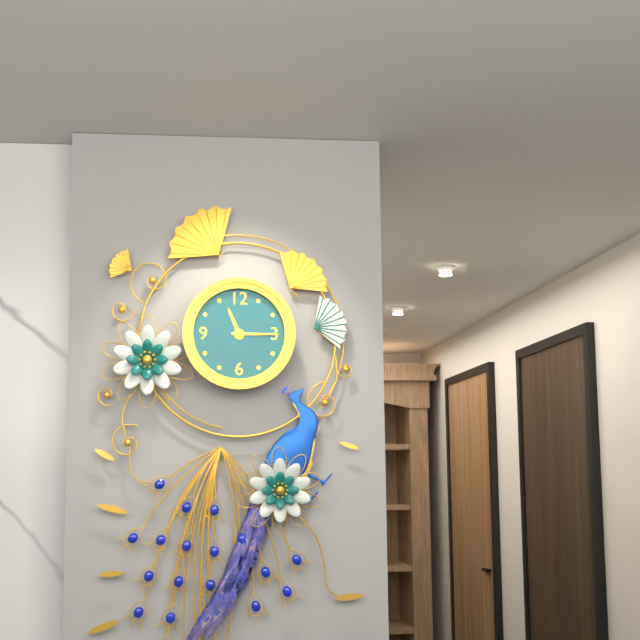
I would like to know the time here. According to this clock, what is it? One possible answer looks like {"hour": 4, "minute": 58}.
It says {"hour": 11, "minute": 15}
